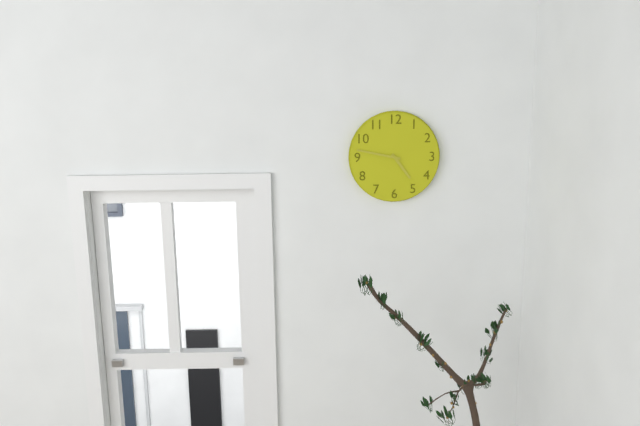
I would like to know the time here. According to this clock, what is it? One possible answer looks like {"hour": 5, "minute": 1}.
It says {"hour": 4, "minute": 47}
